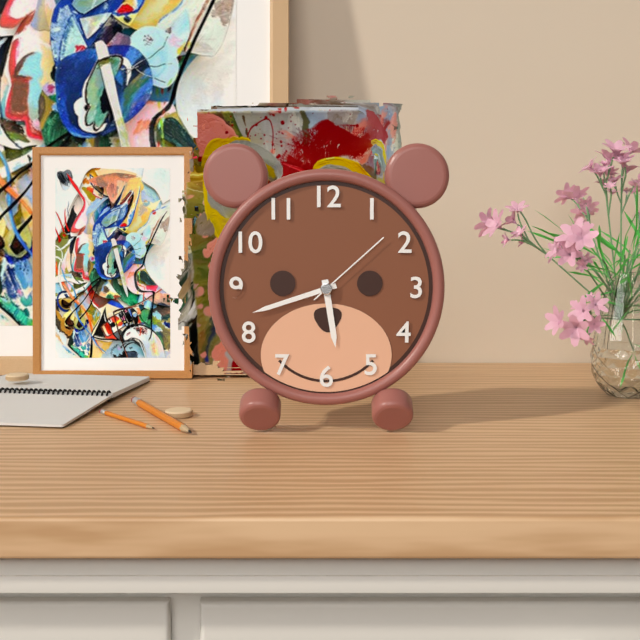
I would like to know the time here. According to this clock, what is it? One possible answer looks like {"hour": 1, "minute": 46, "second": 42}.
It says {"hour": 5, "minute": 42, "second": 8}
